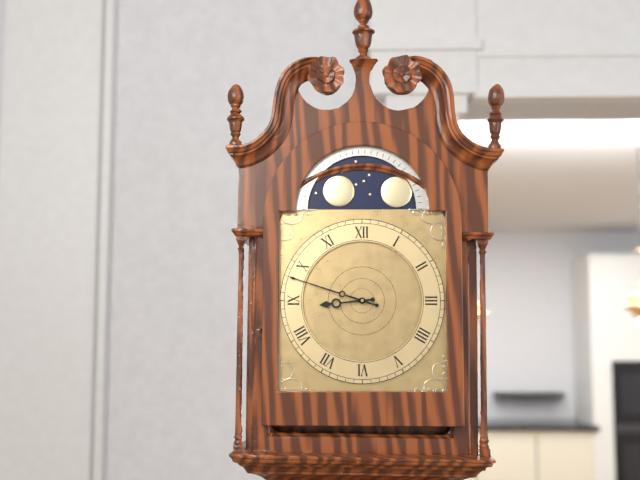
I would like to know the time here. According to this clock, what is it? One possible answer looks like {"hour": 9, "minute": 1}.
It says {"hour": 8, "minute": 48}
